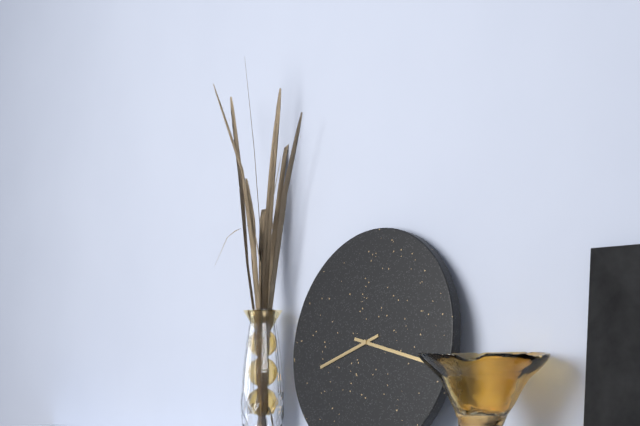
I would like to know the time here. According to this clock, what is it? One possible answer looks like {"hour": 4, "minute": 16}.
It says {"hour": 8, "minute": 17}
